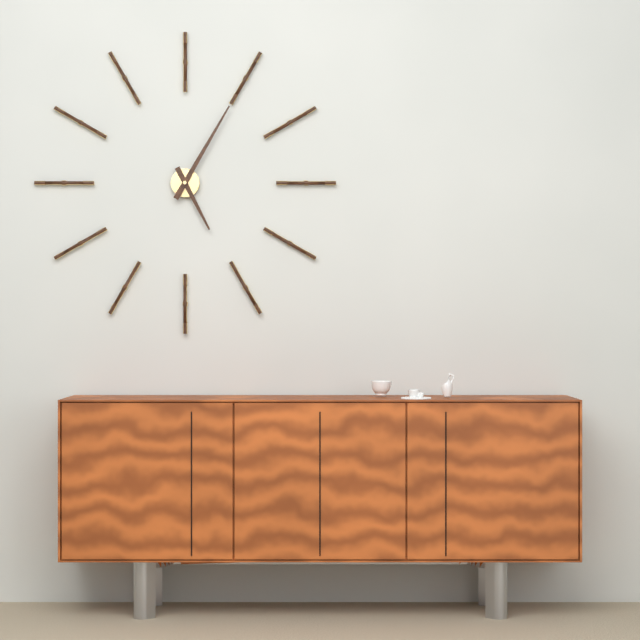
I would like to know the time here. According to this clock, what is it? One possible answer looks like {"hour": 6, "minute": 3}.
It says {"hour": 5, "minute": 5}
